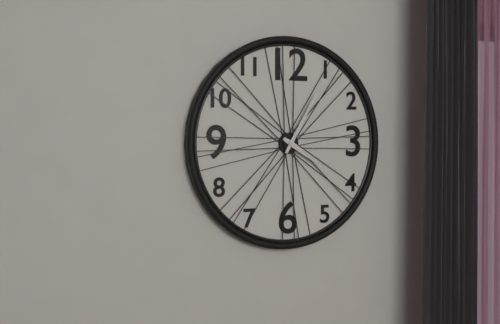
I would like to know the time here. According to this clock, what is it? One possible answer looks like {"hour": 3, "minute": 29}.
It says {"hour": 4, "minute": 5}
